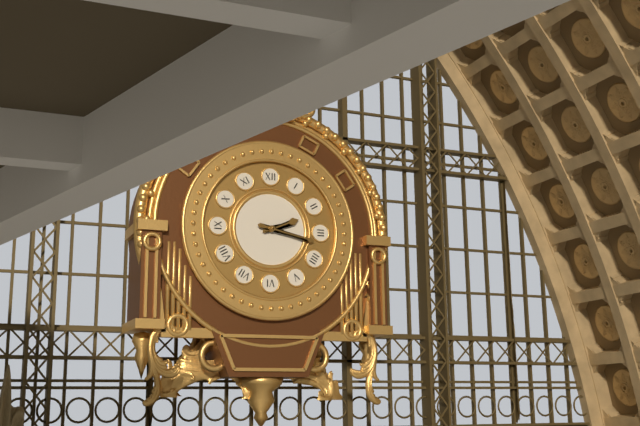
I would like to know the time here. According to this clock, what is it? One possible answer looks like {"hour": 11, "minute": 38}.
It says {"hour": 2, "minute": 17}
